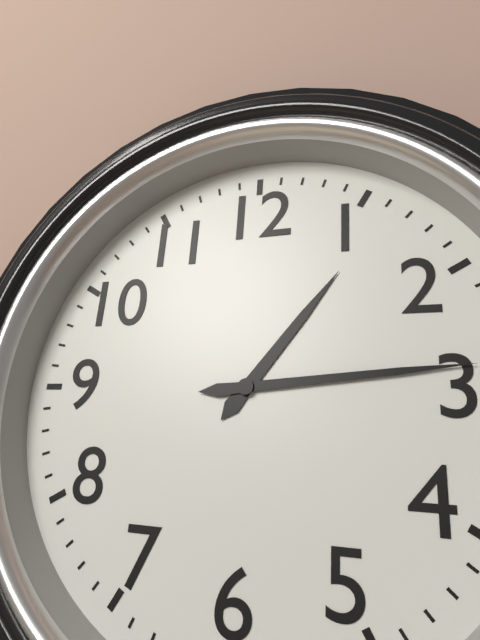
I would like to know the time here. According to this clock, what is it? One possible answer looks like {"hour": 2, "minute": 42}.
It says {"hour": 1, "minute": 14}
